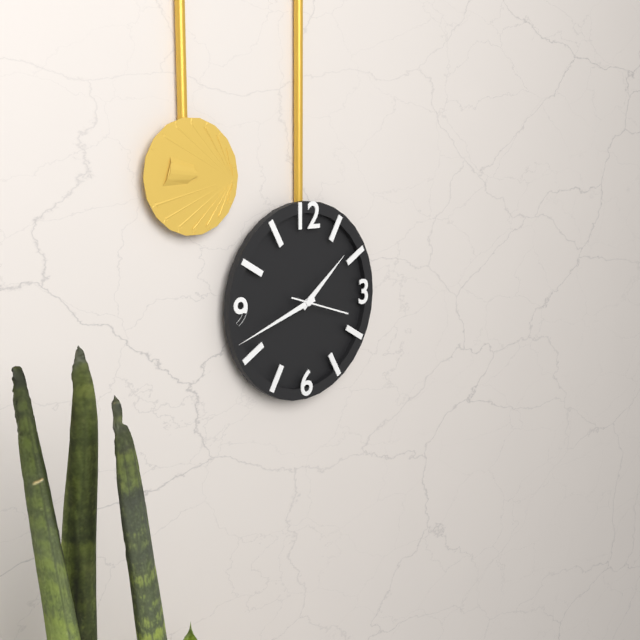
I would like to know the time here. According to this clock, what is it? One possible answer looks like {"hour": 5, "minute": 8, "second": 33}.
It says {"hour": 1, "minute": 42, "second": 18}
